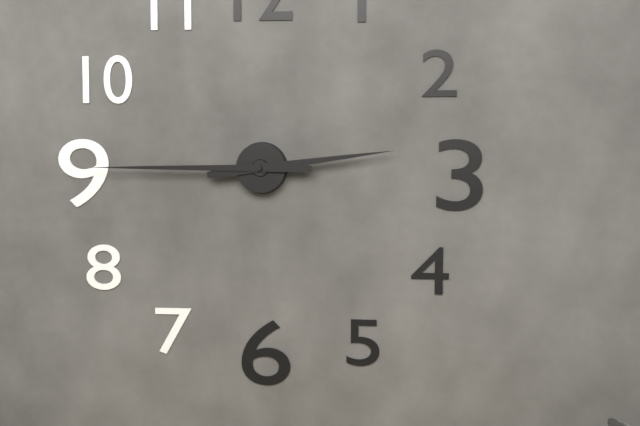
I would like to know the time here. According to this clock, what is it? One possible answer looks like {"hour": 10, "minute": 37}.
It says {"hour": 2, "minute": 45}
